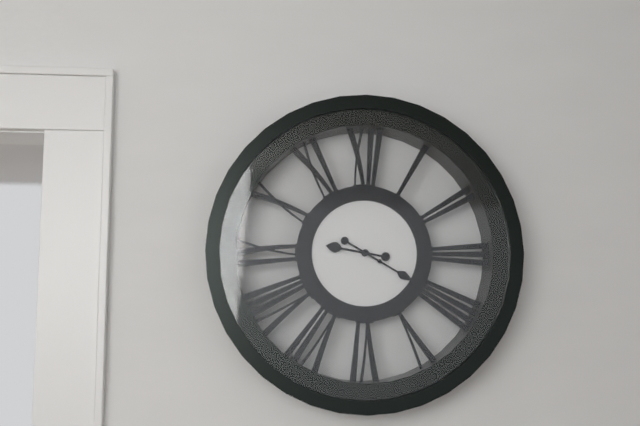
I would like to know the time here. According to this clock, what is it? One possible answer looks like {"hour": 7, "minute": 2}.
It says {"hour": 9, "minute": 20}
